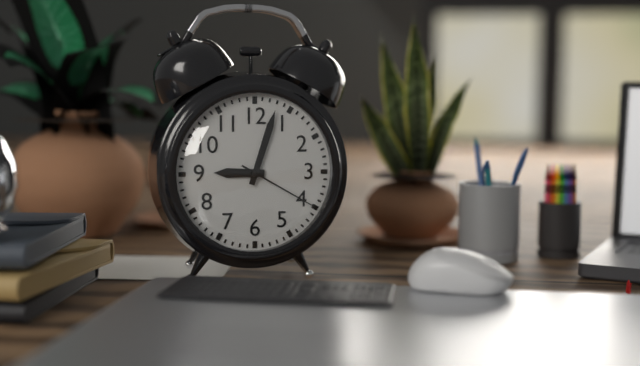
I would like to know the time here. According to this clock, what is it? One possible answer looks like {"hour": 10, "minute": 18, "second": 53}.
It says {"hour": 9, "minute": 3, "second": 20}
